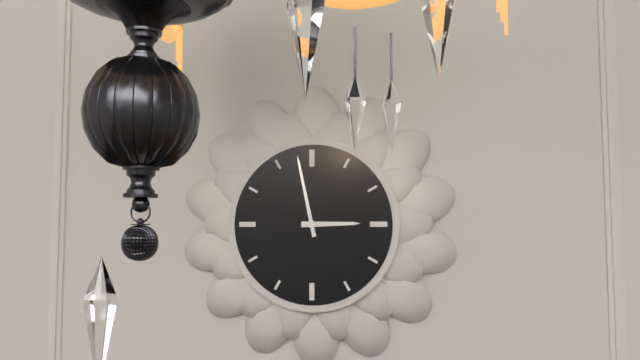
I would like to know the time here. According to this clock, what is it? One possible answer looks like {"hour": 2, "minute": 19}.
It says {"hour": 2, "minute": 58}
